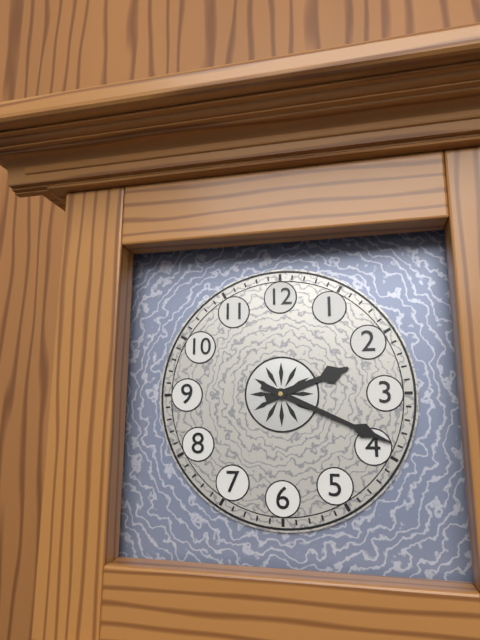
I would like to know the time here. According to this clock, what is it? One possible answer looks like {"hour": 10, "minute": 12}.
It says {"hour": 2, "minute": 19}
